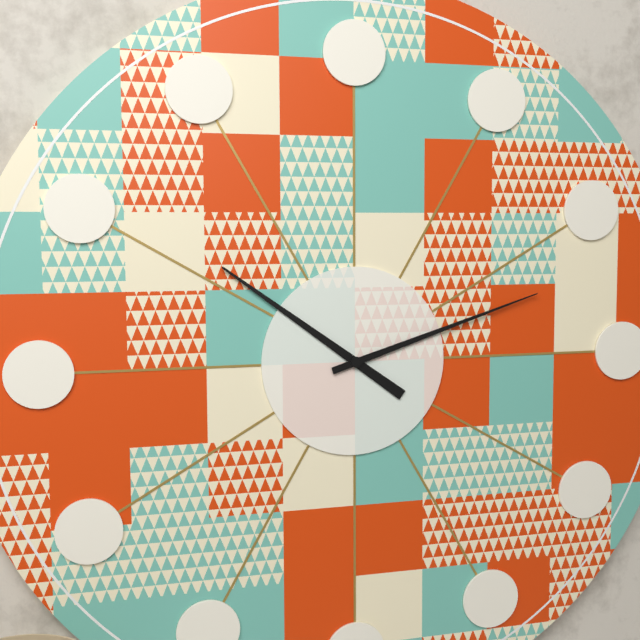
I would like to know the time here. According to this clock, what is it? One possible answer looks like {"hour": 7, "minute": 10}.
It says {"hour": 10, "minute": 12}
